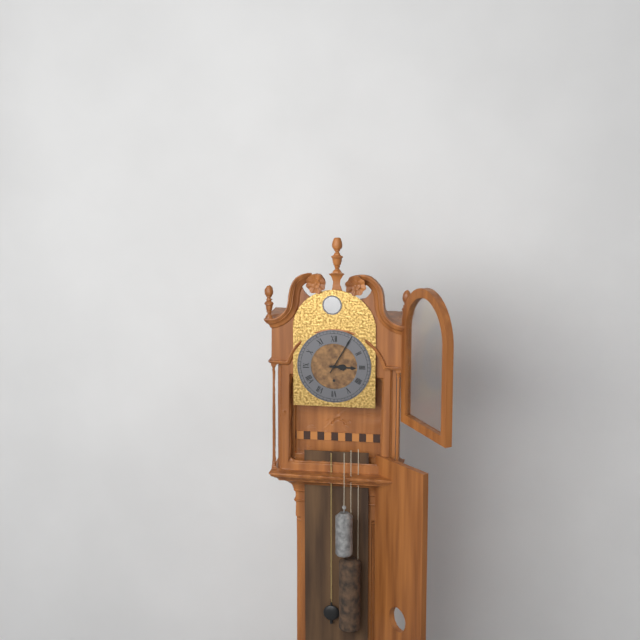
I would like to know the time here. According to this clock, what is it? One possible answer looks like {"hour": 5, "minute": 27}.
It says {"hour": 3, "minute": 5}
